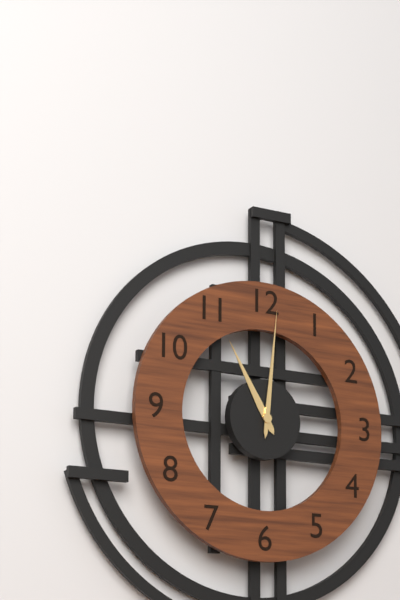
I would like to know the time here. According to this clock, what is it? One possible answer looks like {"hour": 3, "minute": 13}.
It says {"hour": 11, "minute": 1}
